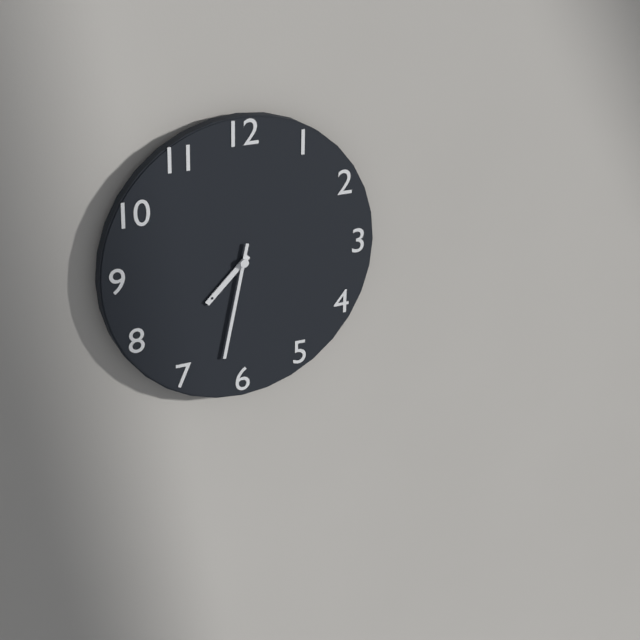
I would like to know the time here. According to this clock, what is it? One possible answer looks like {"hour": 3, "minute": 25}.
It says {"hour": 7, "minute": 32}
